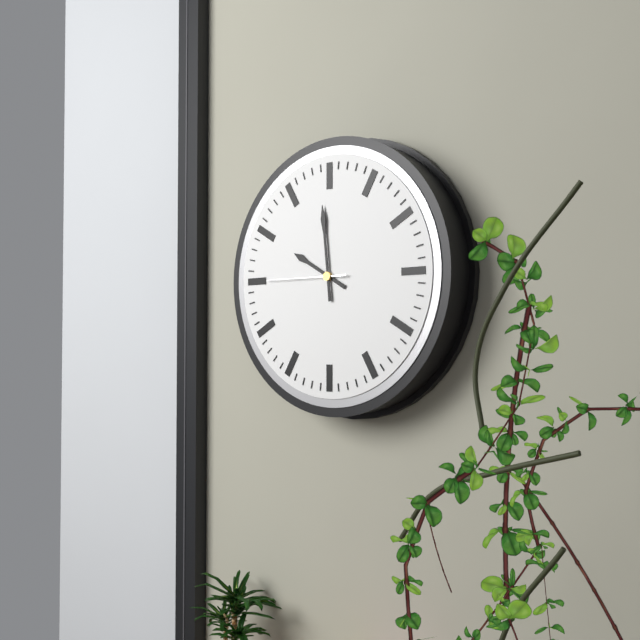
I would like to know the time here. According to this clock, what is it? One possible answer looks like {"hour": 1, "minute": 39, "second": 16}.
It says {"hour": 9, "minute": 59, "second": 45}
